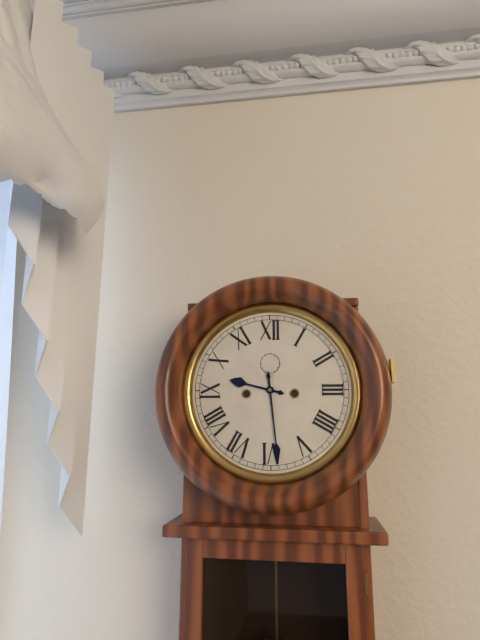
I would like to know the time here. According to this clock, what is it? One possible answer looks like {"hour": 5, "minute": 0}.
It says {"hour": 9, "minute": 29}
